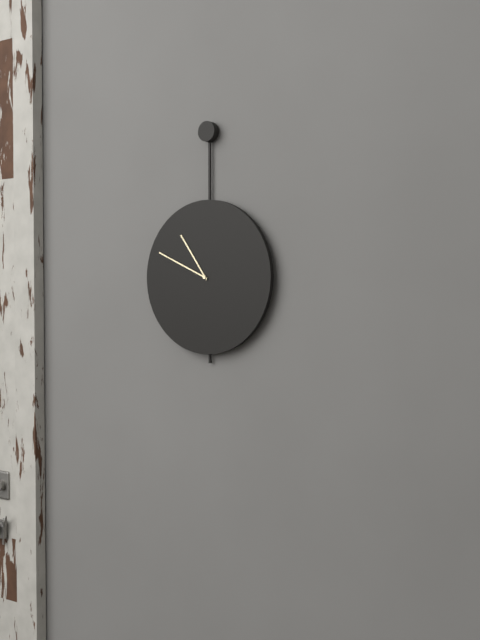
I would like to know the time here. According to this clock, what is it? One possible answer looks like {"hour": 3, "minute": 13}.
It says {"hour": 10, "minute": 49}
